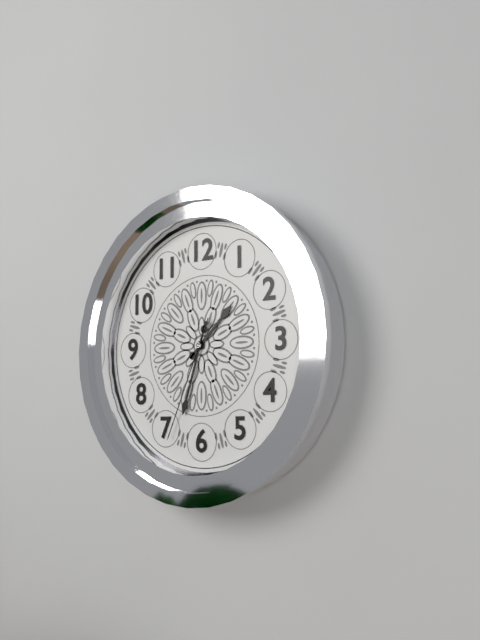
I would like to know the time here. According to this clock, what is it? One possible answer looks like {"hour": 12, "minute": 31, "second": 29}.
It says {"hour": 1, "minute": 33, "second": 34}
